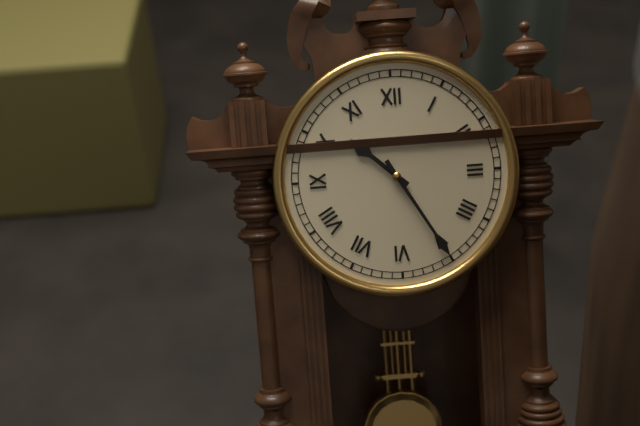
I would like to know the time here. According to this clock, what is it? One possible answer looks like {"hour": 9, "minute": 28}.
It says {"hour": 10, "minute": 25}
